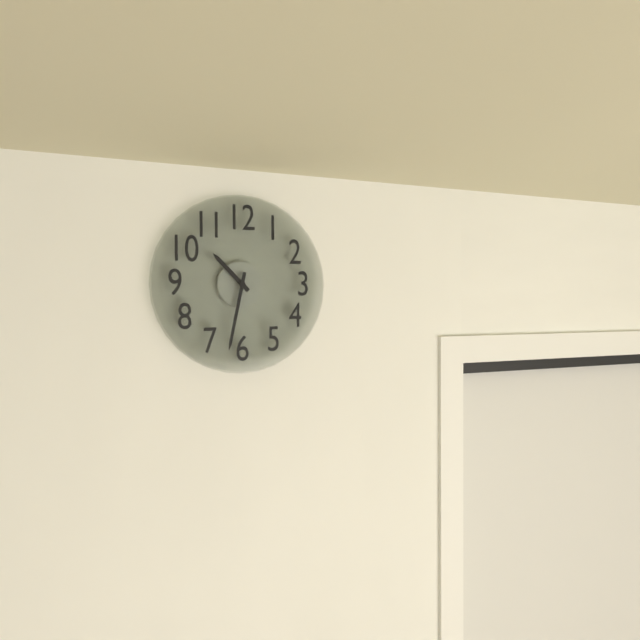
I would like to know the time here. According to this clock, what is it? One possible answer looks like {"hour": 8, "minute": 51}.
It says {"hour": 10, "minute": 32}
